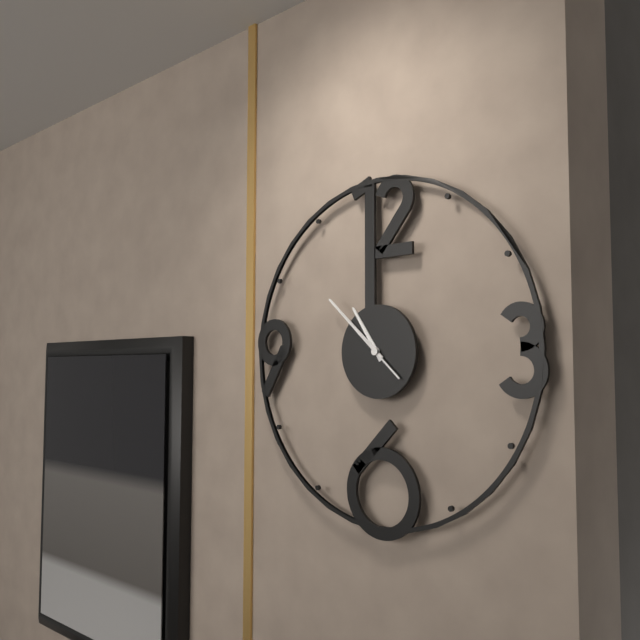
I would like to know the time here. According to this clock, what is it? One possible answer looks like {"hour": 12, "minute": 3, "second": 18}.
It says {"hour": 10, "minute": 52, "second": 52}
